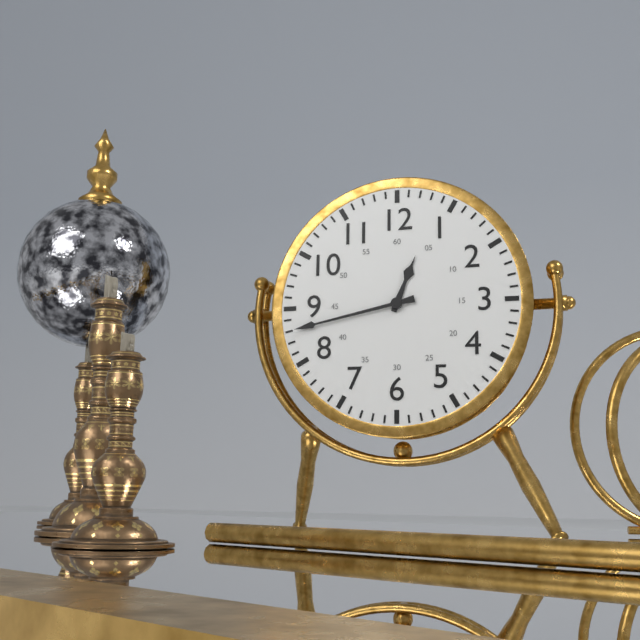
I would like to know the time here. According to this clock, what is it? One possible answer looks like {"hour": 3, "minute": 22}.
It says {"hour": 12, "minute": 43}
